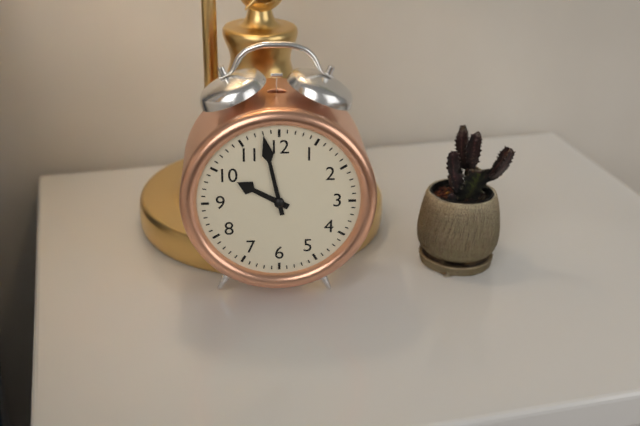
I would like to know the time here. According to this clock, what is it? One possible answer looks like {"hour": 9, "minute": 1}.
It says {"hour": 9, "minute": 58}
